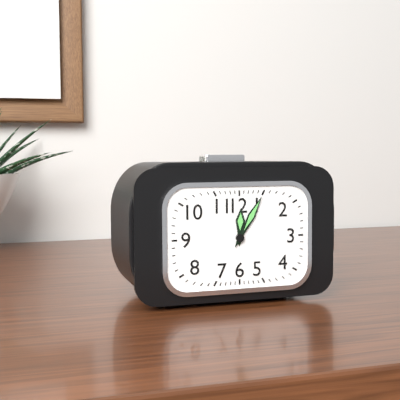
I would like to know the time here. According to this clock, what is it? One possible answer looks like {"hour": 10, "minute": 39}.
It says {"hour": 12, "minute": 5}
